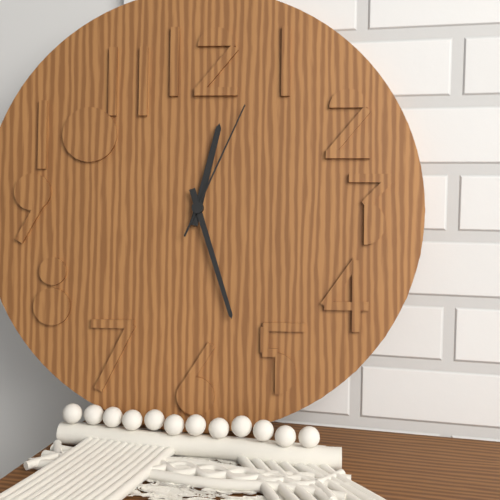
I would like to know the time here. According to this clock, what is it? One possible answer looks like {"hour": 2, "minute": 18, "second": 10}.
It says {"hour": 12, "minute": 27, "second": 4}
